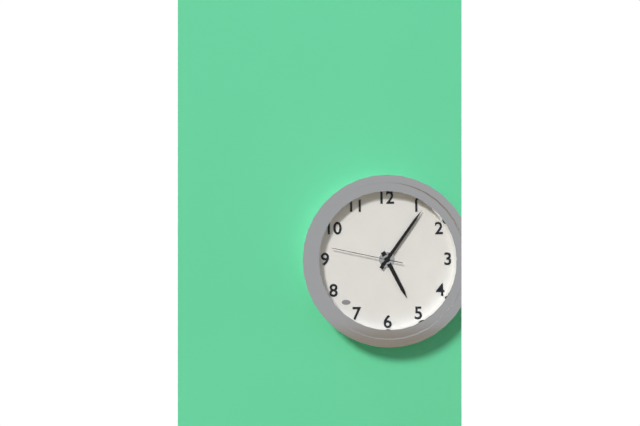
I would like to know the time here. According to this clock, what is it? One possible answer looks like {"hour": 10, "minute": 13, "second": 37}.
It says {"hour": 5, "minute": 6, "second": 47}
